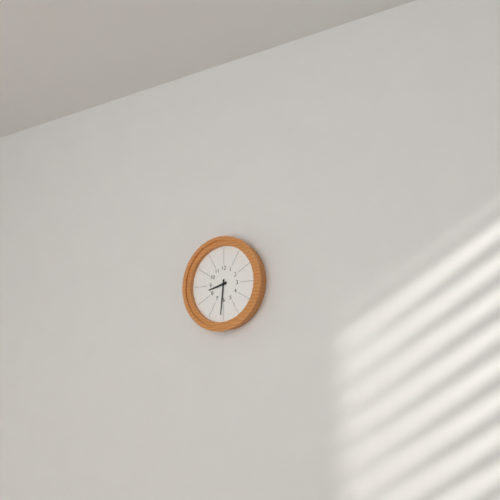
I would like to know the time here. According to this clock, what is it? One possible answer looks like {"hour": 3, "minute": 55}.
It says {"hour": 8, "minute": 31}
